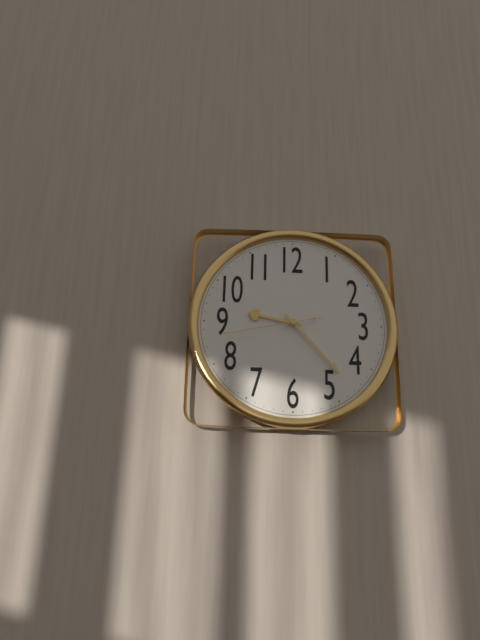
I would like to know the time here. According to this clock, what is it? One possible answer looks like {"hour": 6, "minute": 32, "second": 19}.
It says {"hour": 9, "minute": 23, "second": 43}
